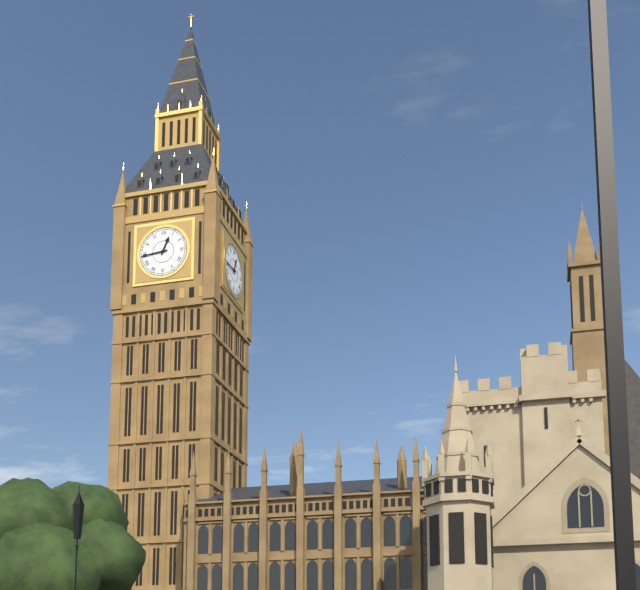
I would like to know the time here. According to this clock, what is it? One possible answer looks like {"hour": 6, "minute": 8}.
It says {"hour": 12, "minute": 44}
